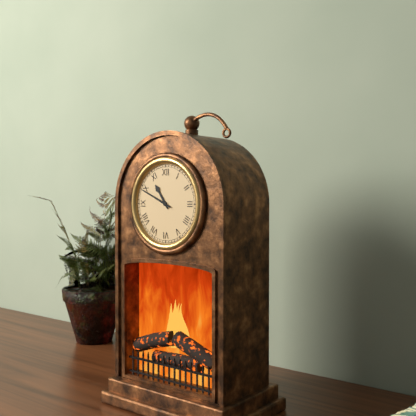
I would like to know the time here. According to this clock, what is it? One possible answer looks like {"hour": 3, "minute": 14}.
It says {"hour": 10, "minute": 49}
